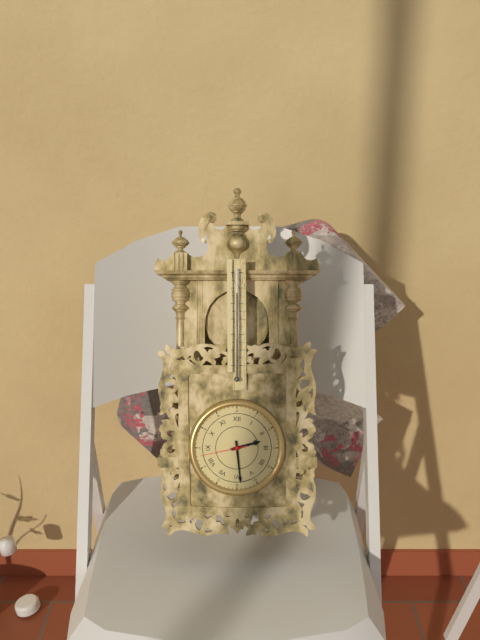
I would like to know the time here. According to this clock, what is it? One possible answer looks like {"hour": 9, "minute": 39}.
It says {"hour": 2, "minute": 29}
